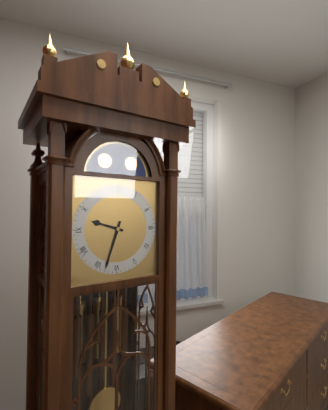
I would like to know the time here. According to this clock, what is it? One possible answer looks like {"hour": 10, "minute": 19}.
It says {"hour": 9, "minute": 33}
